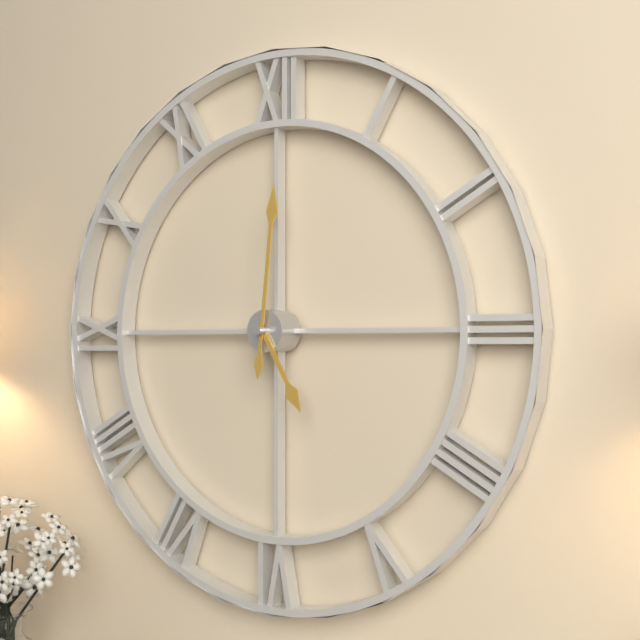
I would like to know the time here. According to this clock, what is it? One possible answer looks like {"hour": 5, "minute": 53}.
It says {"hour": 5, "minute": 1}
